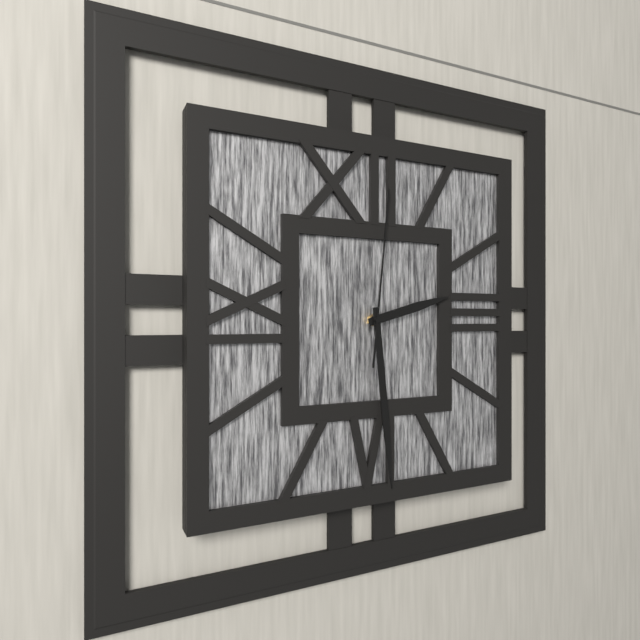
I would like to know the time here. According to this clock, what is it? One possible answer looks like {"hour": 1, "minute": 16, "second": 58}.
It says {"hour": 2, "minute": 29, "second": 1}
